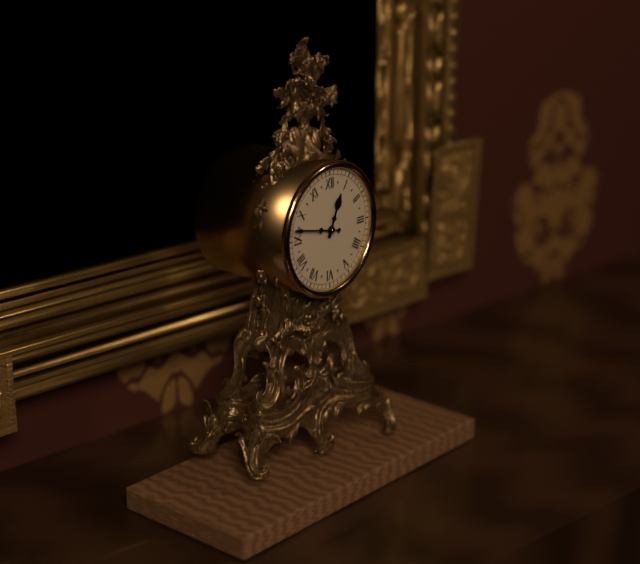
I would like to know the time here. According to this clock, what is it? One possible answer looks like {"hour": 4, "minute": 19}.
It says {"hour": 12, "minute": 47}
